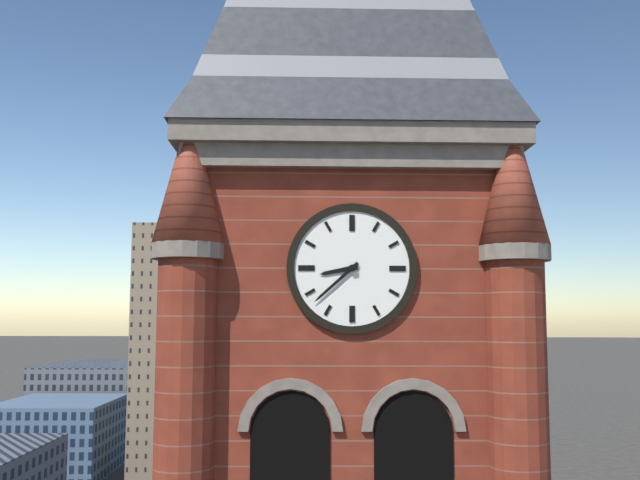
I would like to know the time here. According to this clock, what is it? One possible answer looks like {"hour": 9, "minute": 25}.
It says {"hour": 8, "minute": 38}
